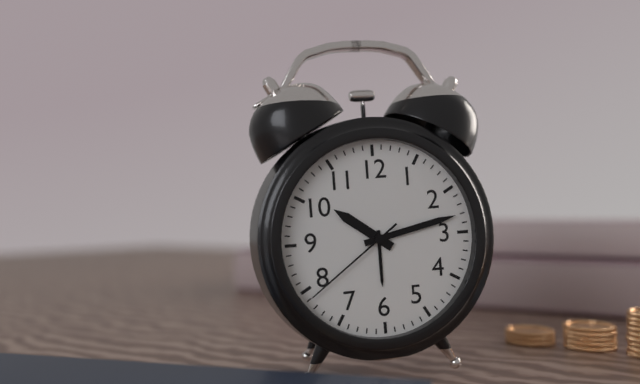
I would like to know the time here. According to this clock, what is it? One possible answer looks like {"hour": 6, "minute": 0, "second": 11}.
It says {"hour": 10, "minute": 13, "second": 39}
